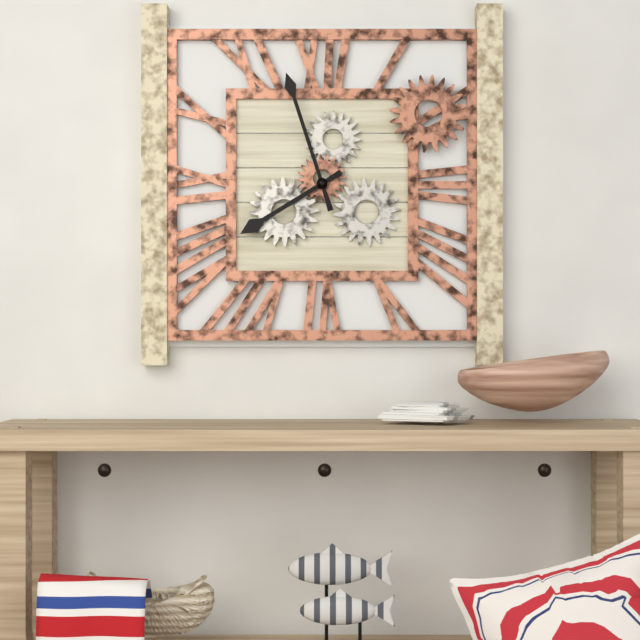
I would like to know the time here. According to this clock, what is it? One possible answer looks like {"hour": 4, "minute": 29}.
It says {"hour": 7, "minute": 57}
